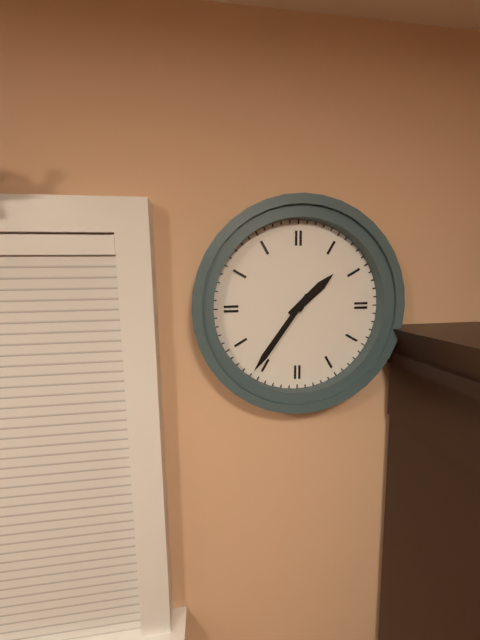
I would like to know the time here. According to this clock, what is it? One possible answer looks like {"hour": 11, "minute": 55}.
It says {"hour": 1, "minute": 36}
